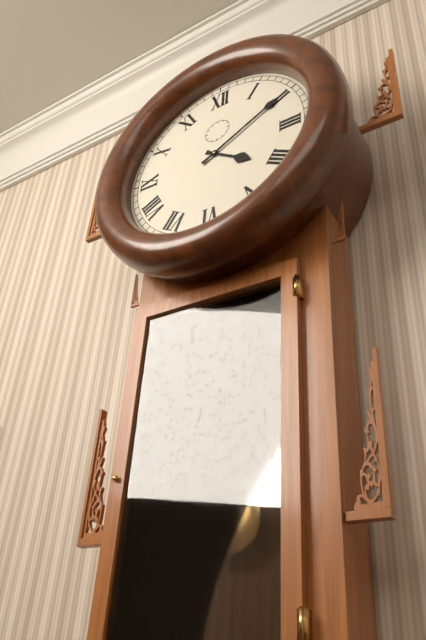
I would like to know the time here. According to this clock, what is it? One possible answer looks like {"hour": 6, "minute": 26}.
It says {"hour": 4, "minute": 10}
